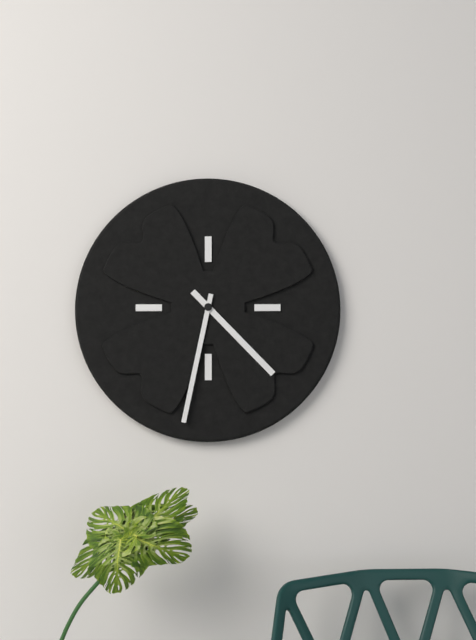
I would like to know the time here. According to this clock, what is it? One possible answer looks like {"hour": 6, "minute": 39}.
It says {"hour": 4, "minute": 32}
